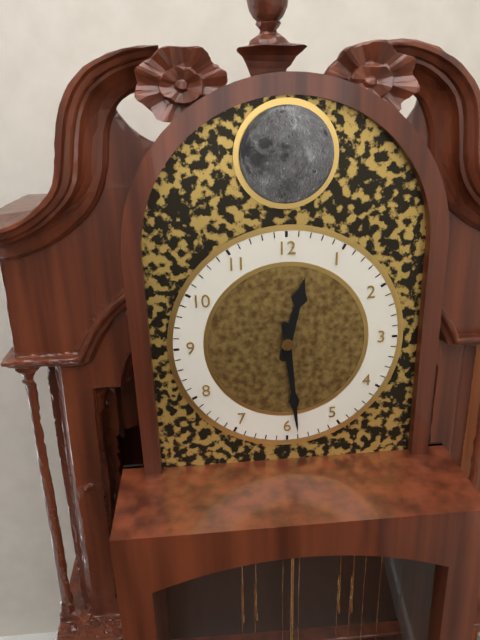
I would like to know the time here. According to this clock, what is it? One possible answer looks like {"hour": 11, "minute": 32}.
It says {"hour": 12, "minute": 29}
